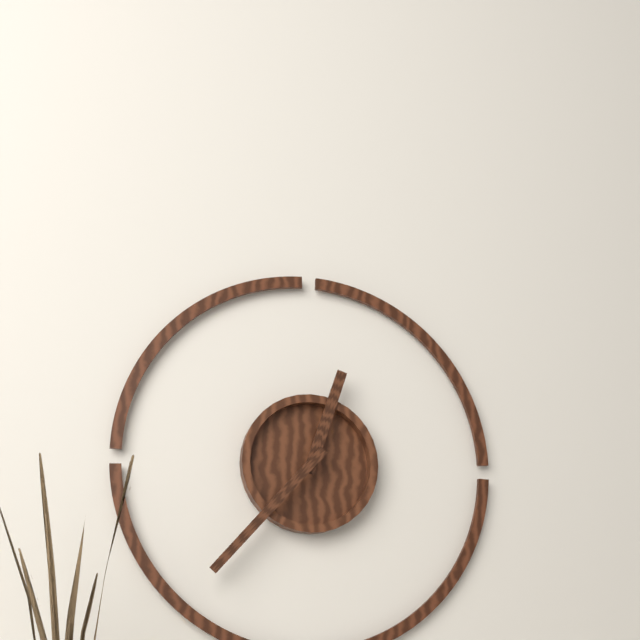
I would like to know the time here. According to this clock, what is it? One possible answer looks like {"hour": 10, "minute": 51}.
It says {"hour": 12, "minute": 37}
